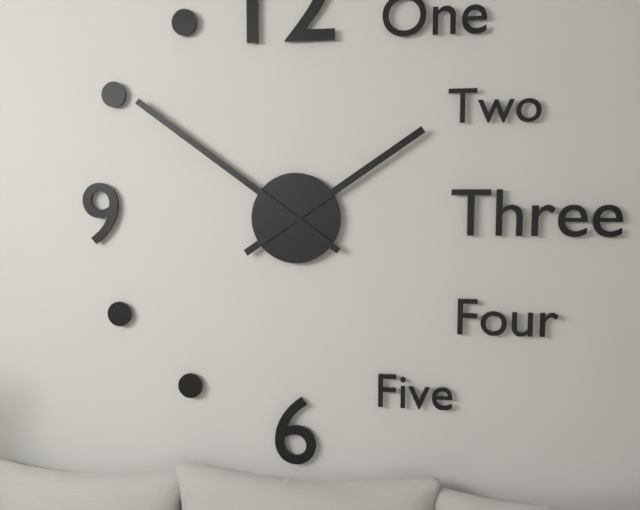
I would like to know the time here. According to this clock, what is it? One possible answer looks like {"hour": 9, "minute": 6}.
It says {"hour": 1, "minute": 51}
